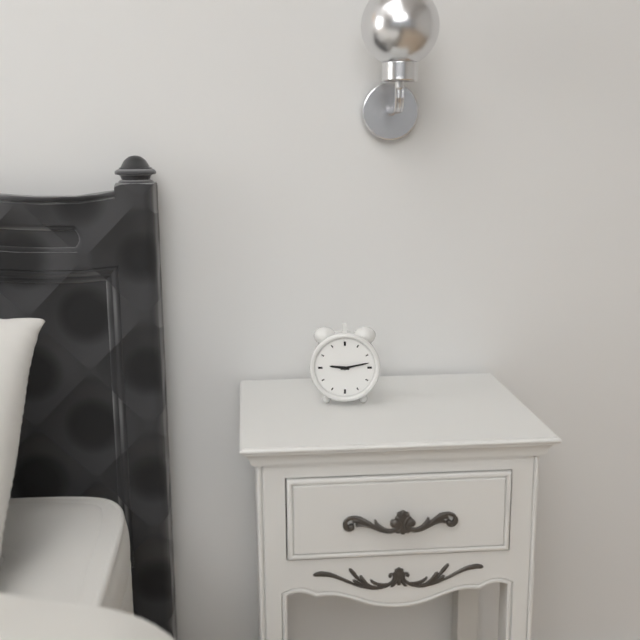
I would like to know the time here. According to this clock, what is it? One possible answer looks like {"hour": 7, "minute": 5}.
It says {"hour": 9, "minute": 13}
